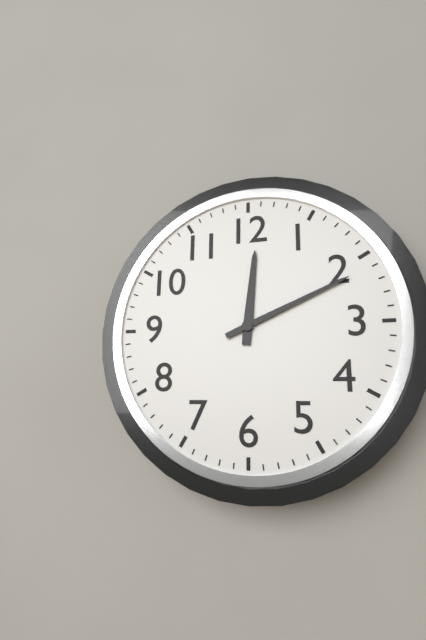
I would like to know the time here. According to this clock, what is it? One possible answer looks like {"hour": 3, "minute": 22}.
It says {"hour": 12, "minute": 11}
